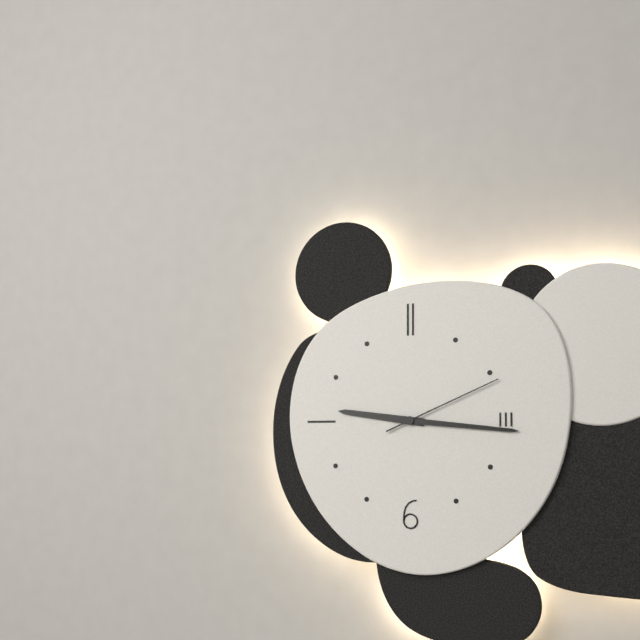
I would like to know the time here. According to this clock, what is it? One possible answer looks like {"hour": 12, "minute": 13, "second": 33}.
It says {"hour": 9, "minute": 16, "second": 11}
